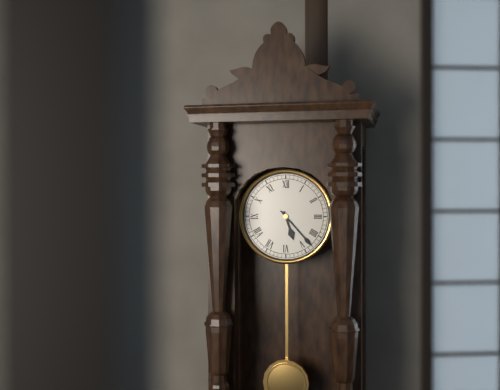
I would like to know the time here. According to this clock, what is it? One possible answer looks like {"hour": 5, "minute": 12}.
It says {"hour": 5, "minute": 23}
